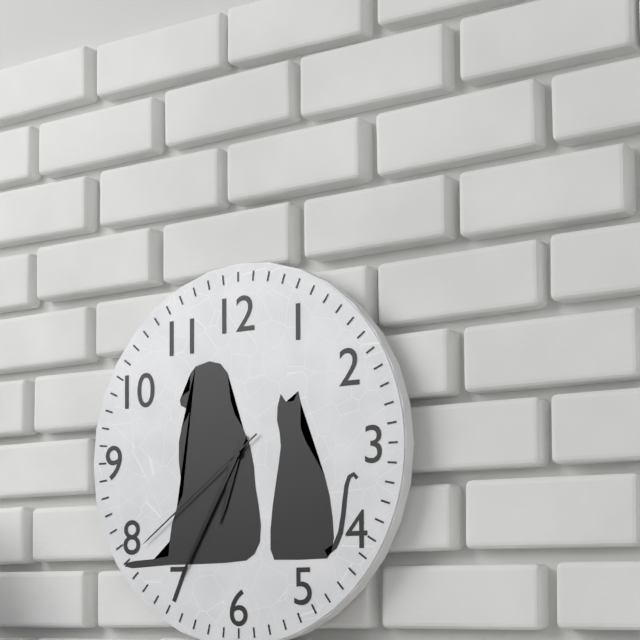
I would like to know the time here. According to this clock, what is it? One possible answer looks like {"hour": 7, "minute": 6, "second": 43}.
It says {"hour": 6, "minute": 35, "second": 39}
